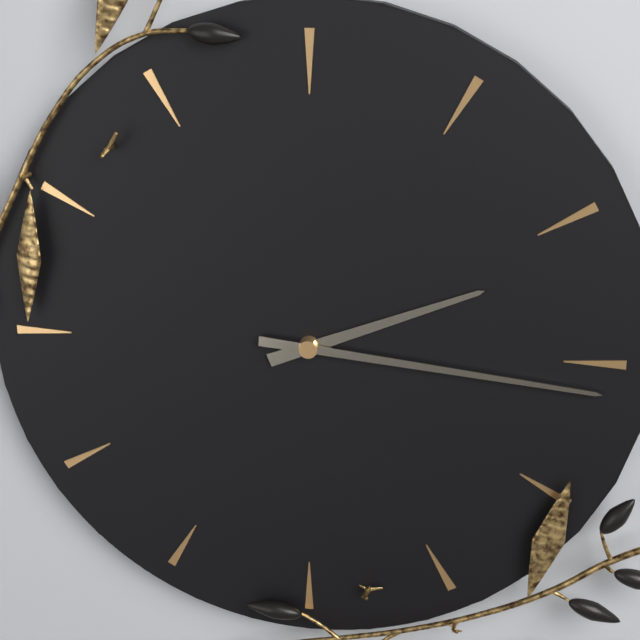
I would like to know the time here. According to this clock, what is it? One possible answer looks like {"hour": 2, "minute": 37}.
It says {"hour": 2, "minute": 16}
